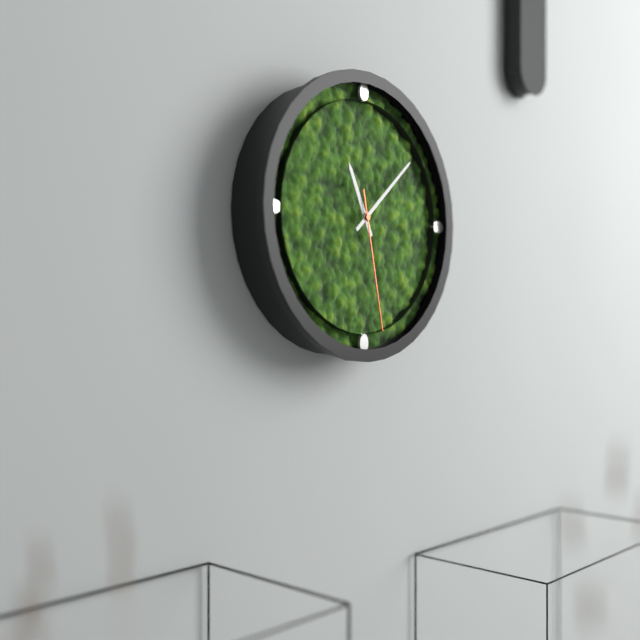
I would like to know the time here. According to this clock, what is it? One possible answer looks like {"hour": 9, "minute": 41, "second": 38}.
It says {"hour": 11, "minute": 8, "second": 28}
